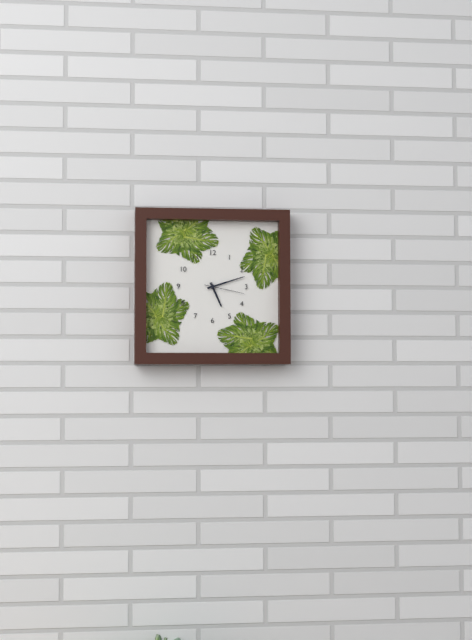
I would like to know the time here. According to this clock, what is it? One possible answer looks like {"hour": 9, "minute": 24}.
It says {"hour": 5, "minute": 12}
